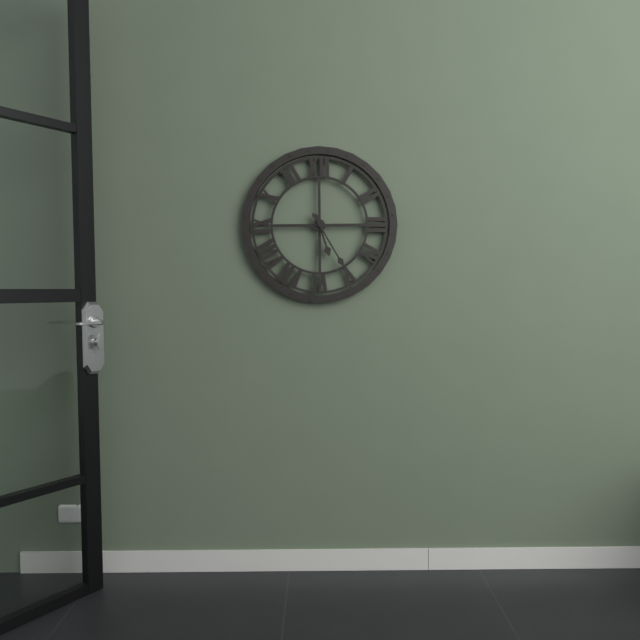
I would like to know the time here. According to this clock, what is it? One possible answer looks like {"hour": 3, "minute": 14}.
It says {"hour": 5, "minute": 25}
